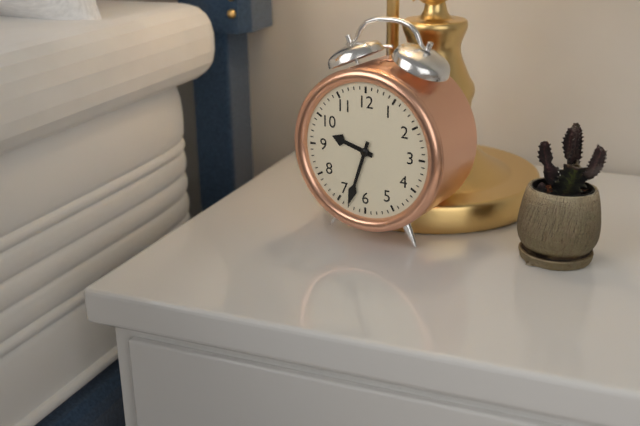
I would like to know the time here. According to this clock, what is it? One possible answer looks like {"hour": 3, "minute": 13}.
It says {"hour": 9, "minute": 33}
